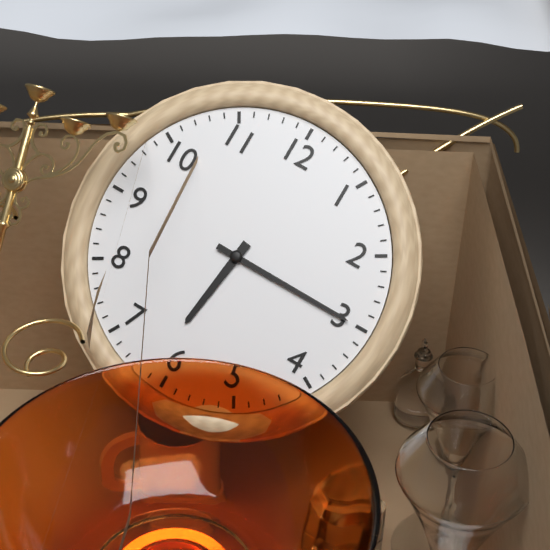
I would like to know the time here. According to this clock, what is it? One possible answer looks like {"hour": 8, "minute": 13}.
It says {"hour": 6, "minute": 15}
